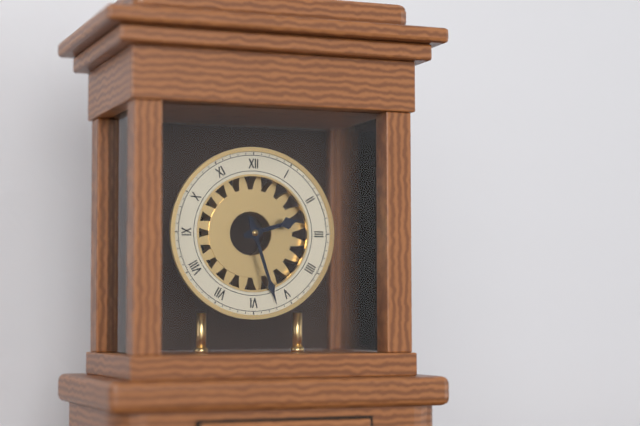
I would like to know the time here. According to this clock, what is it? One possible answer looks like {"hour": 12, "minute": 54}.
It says {"hour": 2, "minute": 27}
